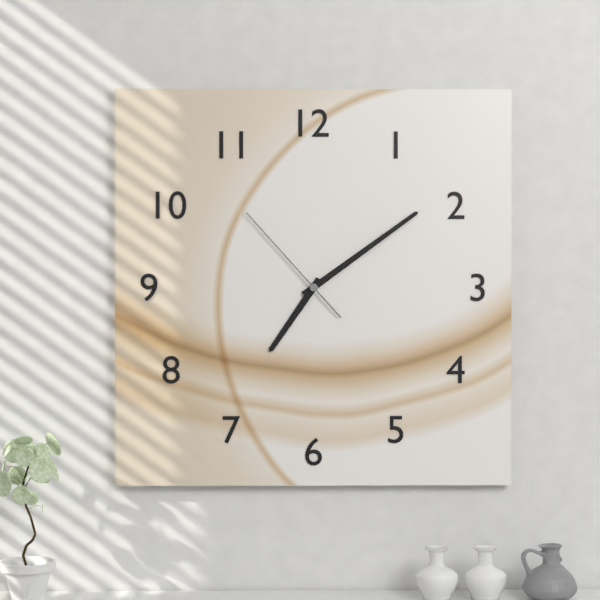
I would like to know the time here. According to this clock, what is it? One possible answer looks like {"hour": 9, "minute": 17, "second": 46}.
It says {"hour": 7, "minute": 9, "second": 53}
